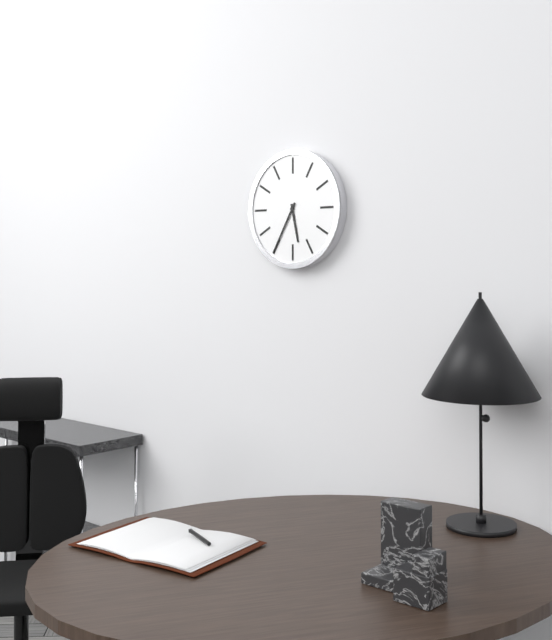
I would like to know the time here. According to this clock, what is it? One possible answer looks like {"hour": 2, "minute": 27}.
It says {"hour": 5, "minute": 35}
